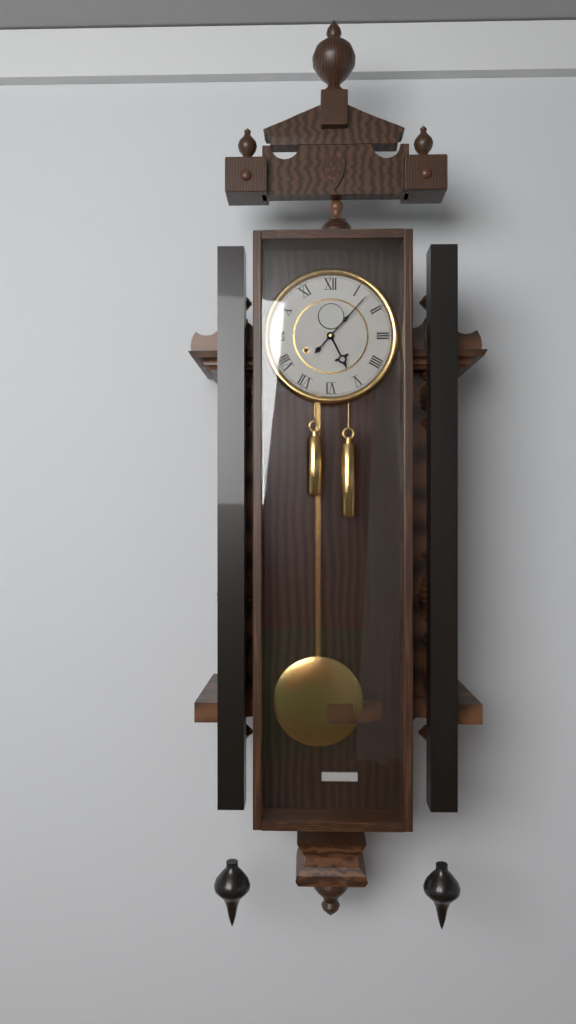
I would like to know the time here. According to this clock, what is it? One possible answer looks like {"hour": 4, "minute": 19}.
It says {"hour": 5, "minute": 7}
